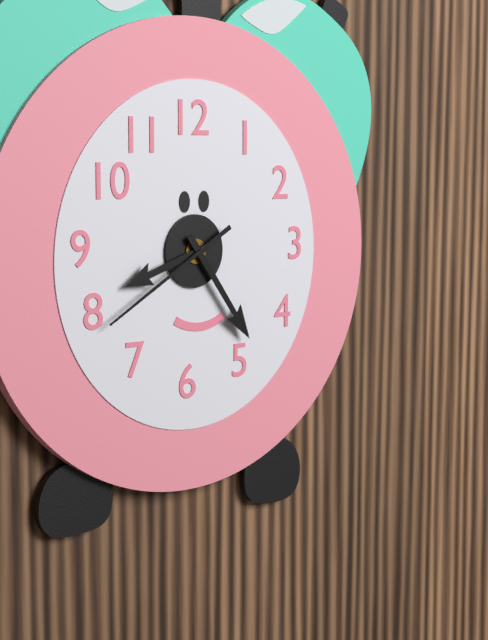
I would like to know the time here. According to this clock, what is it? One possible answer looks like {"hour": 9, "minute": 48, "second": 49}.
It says {"hour": 8, "minute": 24, "second": 40}
